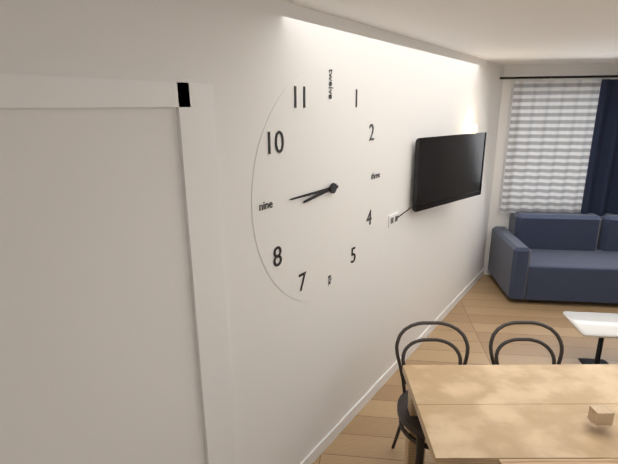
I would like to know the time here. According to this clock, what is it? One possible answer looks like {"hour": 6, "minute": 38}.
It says {"hour": 8, "minute": 45}
